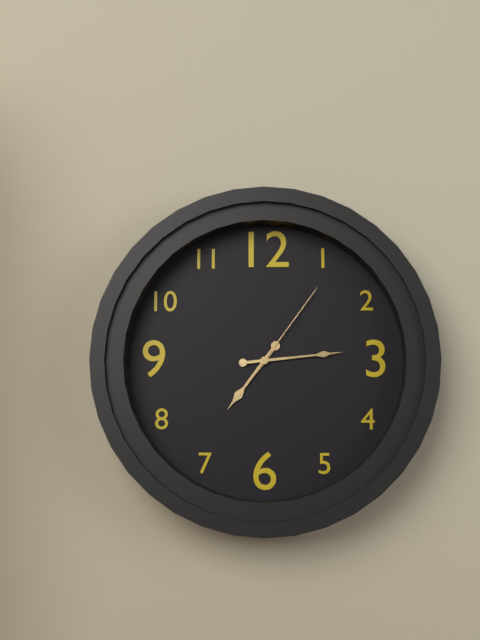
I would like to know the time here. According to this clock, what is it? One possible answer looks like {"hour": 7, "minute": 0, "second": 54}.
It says {"hour": 7, "minute": 14, "second": 6}
